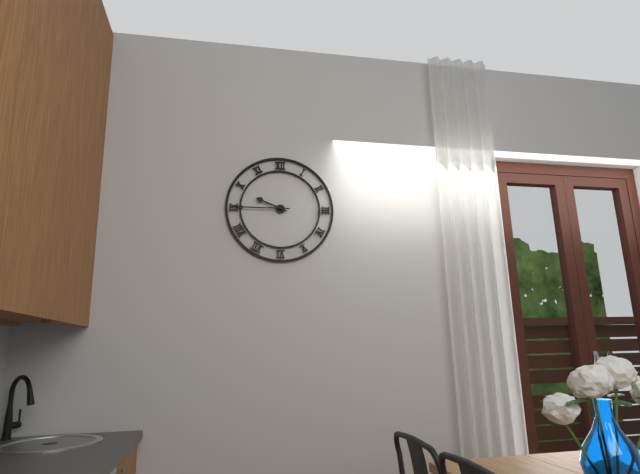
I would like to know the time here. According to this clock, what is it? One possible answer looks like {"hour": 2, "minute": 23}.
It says {"hour": 9, "minute": 45}
